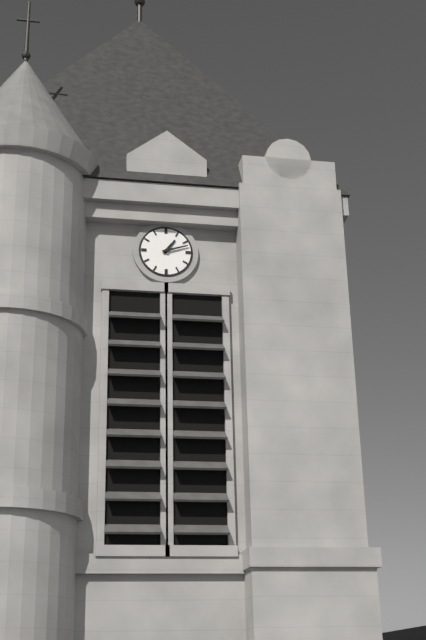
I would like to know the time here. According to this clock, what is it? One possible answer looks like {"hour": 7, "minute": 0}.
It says {"hour": 1, "minute": 12}
